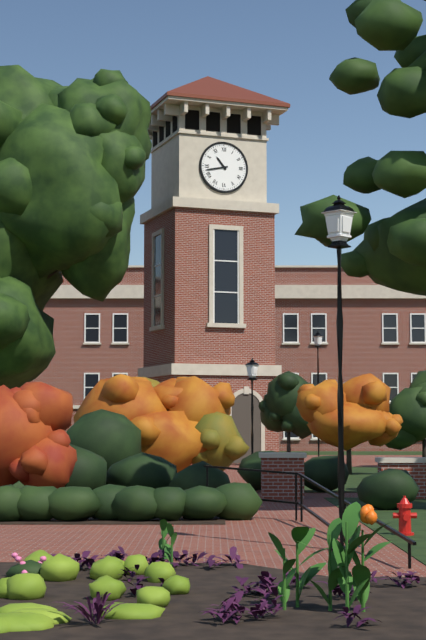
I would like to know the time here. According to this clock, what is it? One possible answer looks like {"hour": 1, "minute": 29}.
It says {"hour": 10, "minute": 43}
